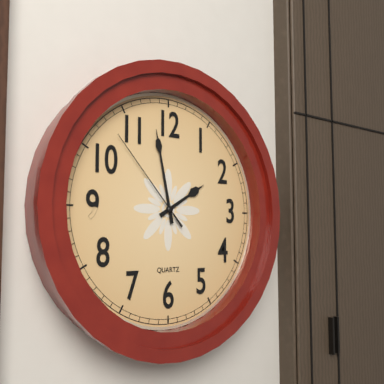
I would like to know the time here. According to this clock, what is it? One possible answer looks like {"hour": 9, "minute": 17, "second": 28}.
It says {"hour": 1, "minute": 58, "second": 53}
